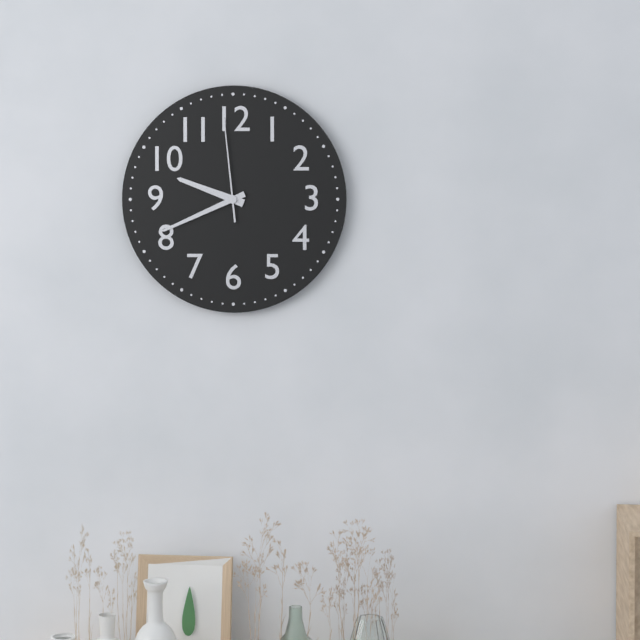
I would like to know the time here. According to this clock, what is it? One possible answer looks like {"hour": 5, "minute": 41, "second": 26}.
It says {"hour": 9, "minute": 41, "second": 59}
